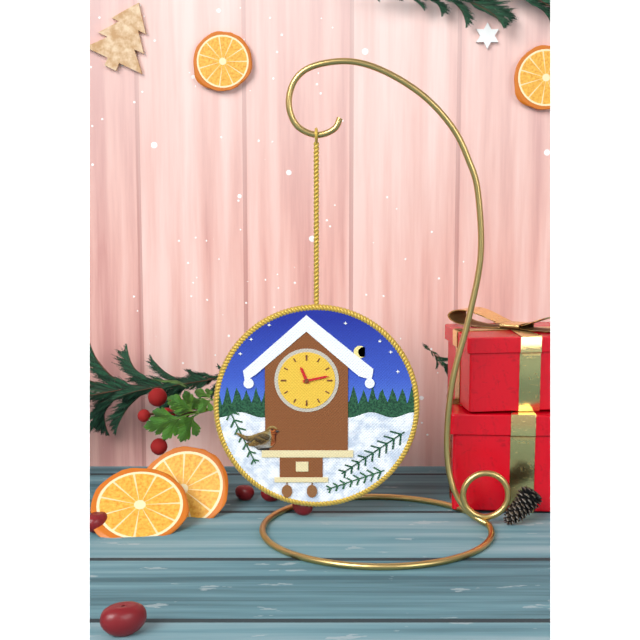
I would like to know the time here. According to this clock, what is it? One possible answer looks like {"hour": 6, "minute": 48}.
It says {"hour": 11, "minute": 13}
